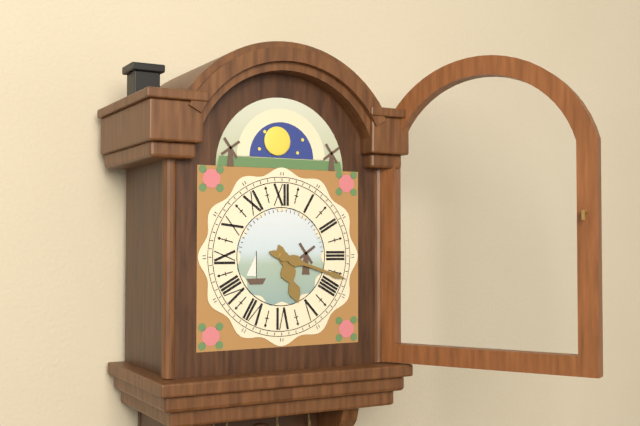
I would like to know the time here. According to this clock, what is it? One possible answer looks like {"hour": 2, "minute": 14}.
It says {"hour": 5, "minute": 18}
